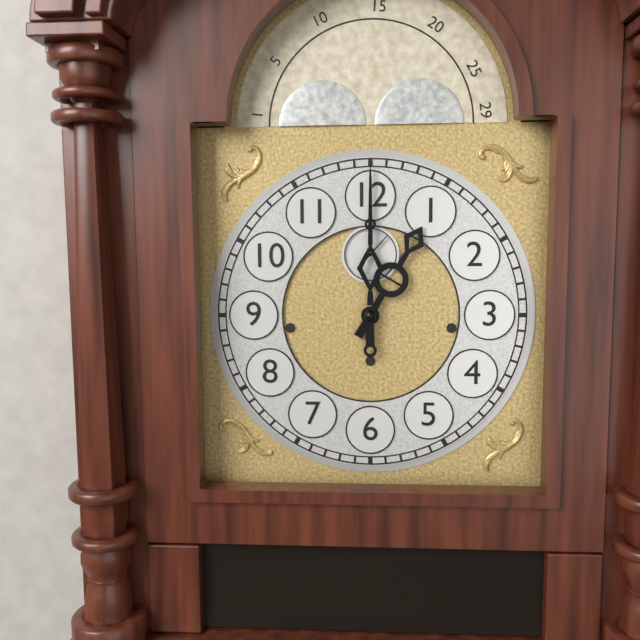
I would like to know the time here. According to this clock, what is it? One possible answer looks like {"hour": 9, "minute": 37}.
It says {"hour": 1, "minute": 0}
